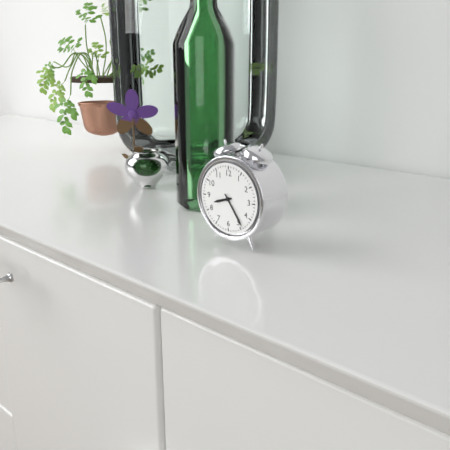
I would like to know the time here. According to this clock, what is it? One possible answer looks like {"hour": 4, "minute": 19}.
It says {"hour": 8, "minute": 24}
